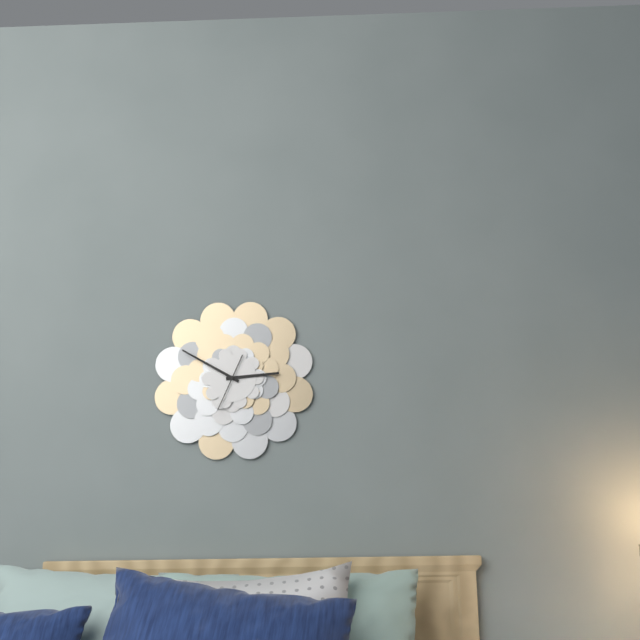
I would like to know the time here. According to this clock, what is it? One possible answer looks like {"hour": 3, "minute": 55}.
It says {"hour": 2, "minute": 50}
